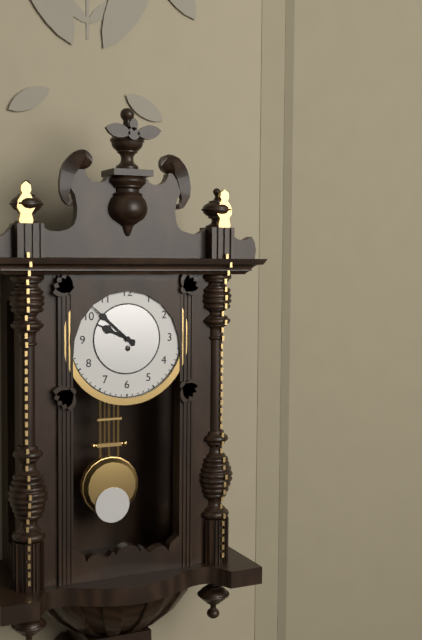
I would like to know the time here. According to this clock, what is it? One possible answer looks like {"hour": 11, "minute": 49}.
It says {"hour": 9, "minute": 52}
